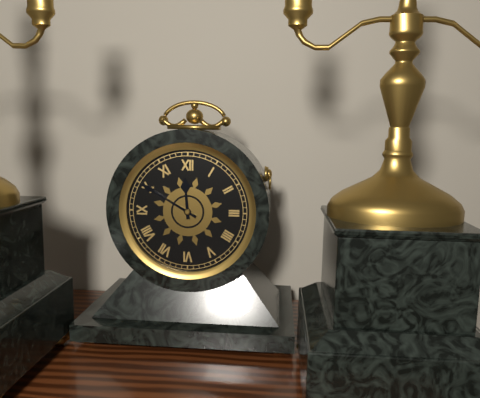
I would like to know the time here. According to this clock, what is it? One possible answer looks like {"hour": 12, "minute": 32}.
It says {"hour": 11, "minute": 50}
